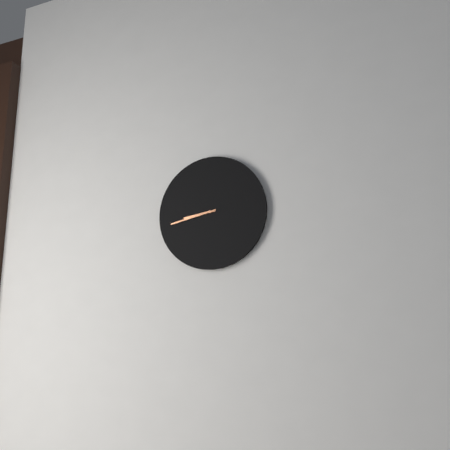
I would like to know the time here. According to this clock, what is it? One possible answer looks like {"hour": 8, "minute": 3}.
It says {"hour": 8, "minute": 43}
